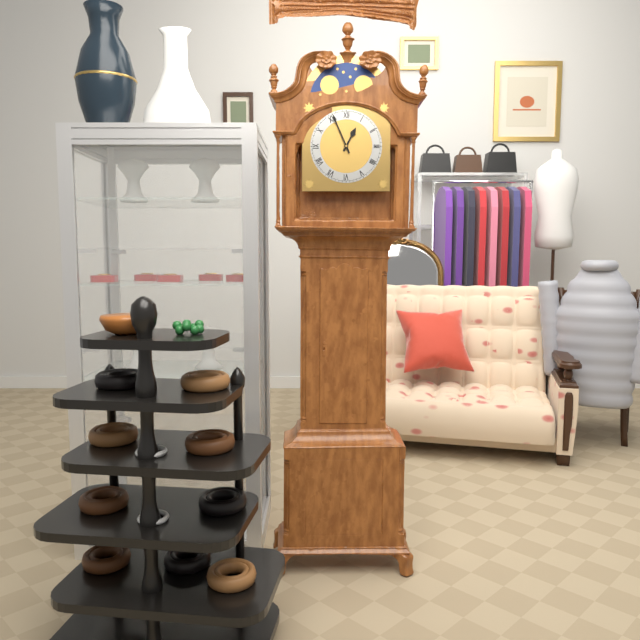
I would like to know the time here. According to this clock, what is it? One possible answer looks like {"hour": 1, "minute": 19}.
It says {"hour": 12, "minute": 56}
